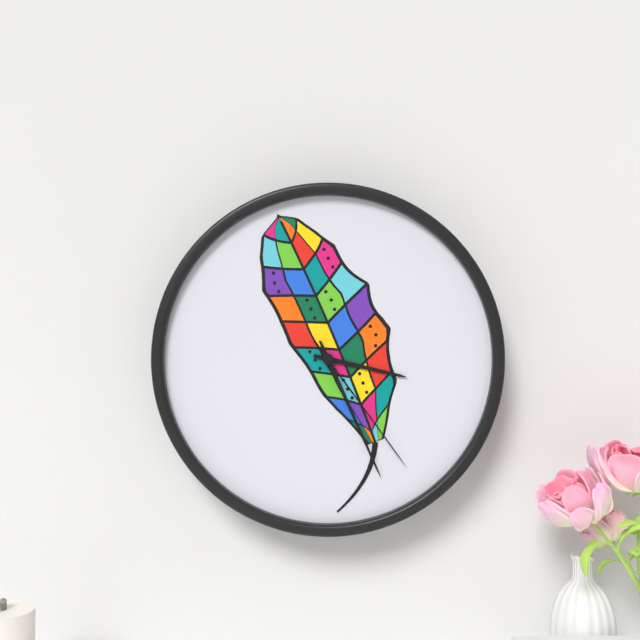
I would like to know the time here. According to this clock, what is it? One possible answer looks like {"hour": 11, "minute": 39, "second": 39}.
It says {"hour": 3, "minute": 26, "second": 24}
